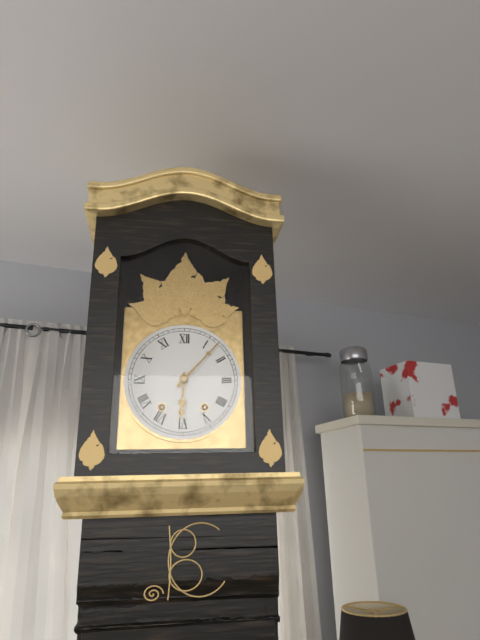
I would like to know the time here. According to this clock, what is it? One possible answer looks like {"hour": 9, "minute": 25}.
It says {"hour": 6, "minute": 7}
